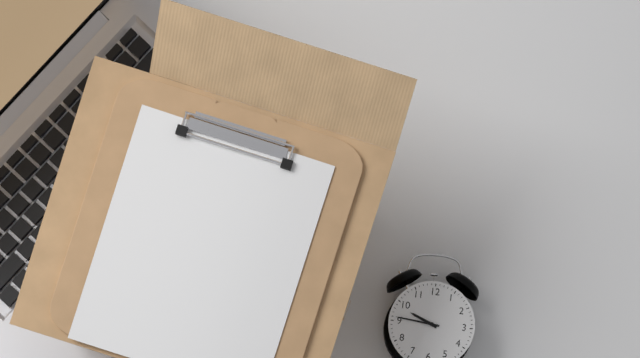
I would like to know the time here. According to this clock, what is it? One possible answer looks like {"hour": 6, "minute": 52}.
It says {"hour": 9, "minute": 46}
